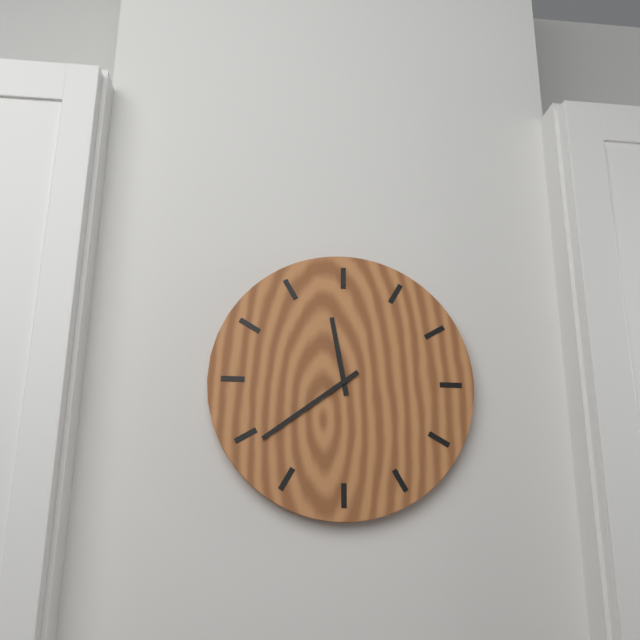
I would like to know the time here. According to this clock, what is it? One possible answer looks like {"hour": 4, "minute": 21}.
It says {"hour": 11, "minute": 39}
